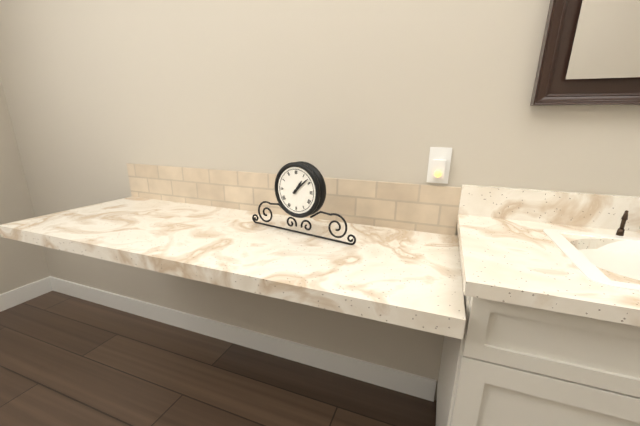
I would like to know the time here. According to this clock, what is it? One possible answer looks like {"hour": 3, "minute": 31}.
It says {"hour": 1, "minute": 8}
